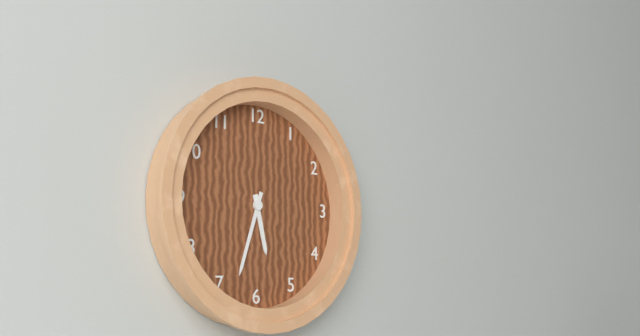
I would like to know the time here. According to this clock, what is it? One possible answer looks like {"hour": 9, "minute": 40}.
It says {"hour": 5, "minute": 33}
